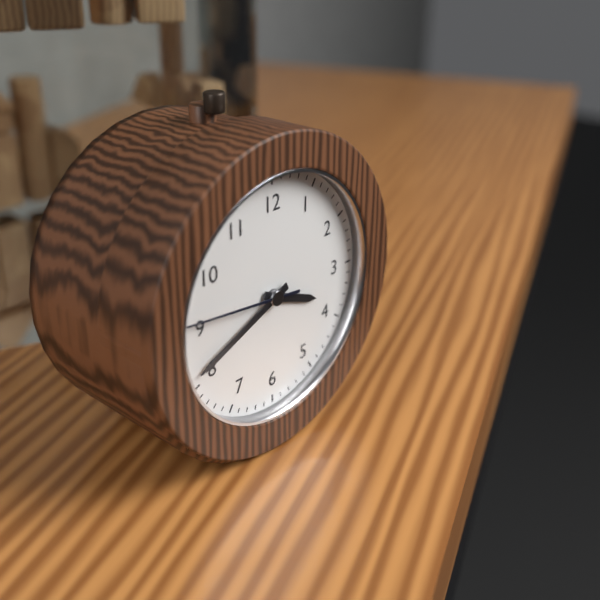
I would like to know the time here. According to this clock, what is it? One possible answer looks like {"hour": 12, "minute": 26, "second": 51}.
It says {"hour": 3, "minute": 41, "second": 46}
